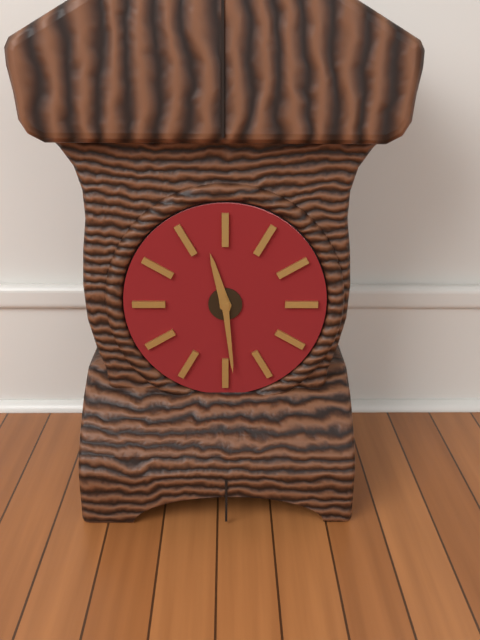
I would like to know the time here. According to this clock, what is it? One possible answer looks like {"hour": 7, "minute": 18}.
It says {"hour": 11, "minute": 29}
